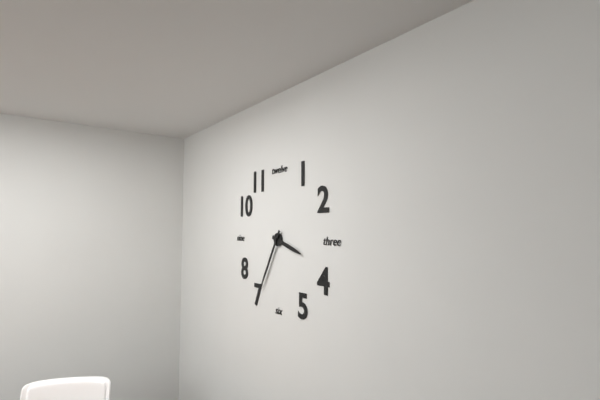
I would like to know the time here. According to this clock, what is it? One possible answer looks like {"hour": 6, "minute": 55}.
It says {"hour": 3, "minute": 35}
